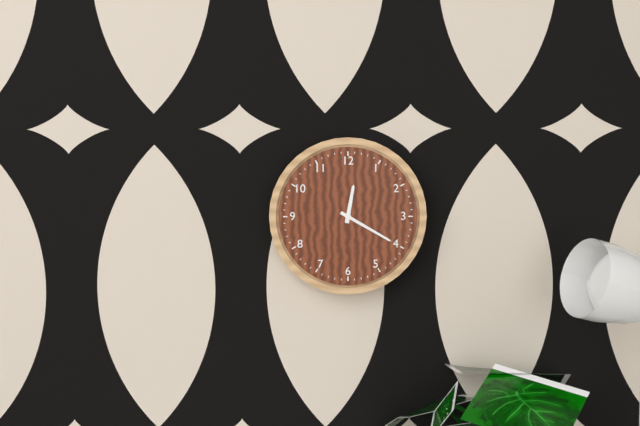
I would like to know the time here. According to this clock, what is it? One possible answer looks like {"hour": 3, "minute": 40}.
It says {"hour": 12, "minute": 20}
